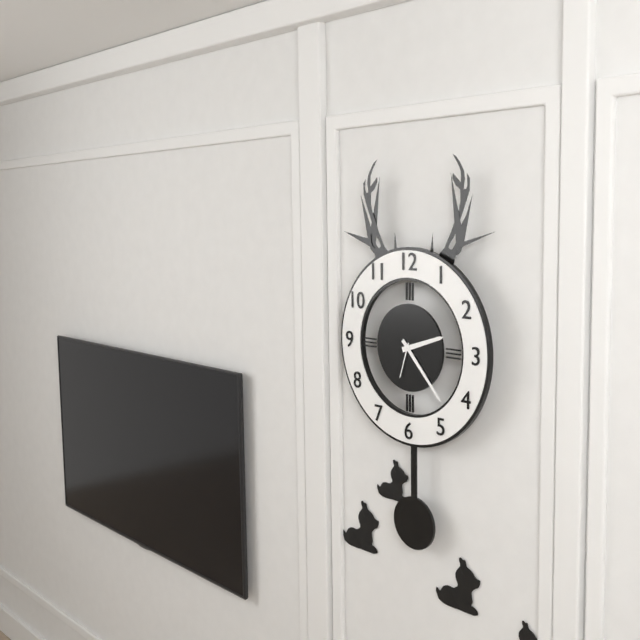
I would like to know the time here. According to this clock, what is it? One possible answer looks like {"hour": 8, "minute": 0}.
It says {"hour": 2, "minute": 23}
